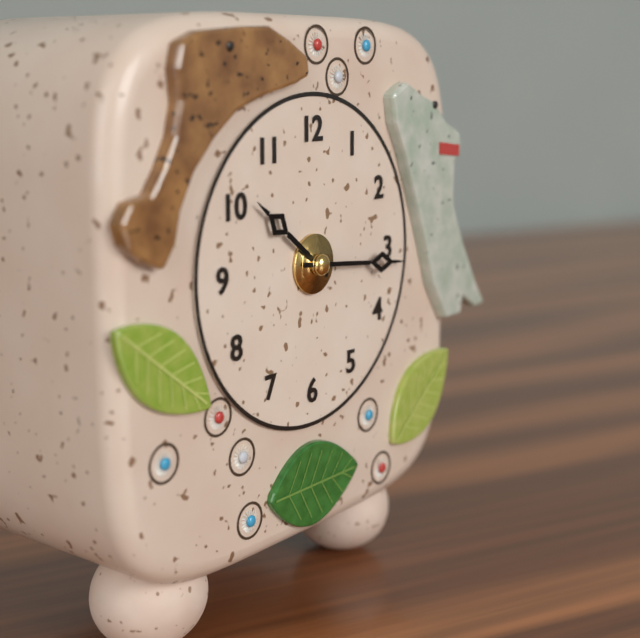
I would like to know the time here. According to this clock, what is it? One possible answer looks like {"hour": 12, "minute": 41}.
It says {"hour": 10, "minute": 16}
